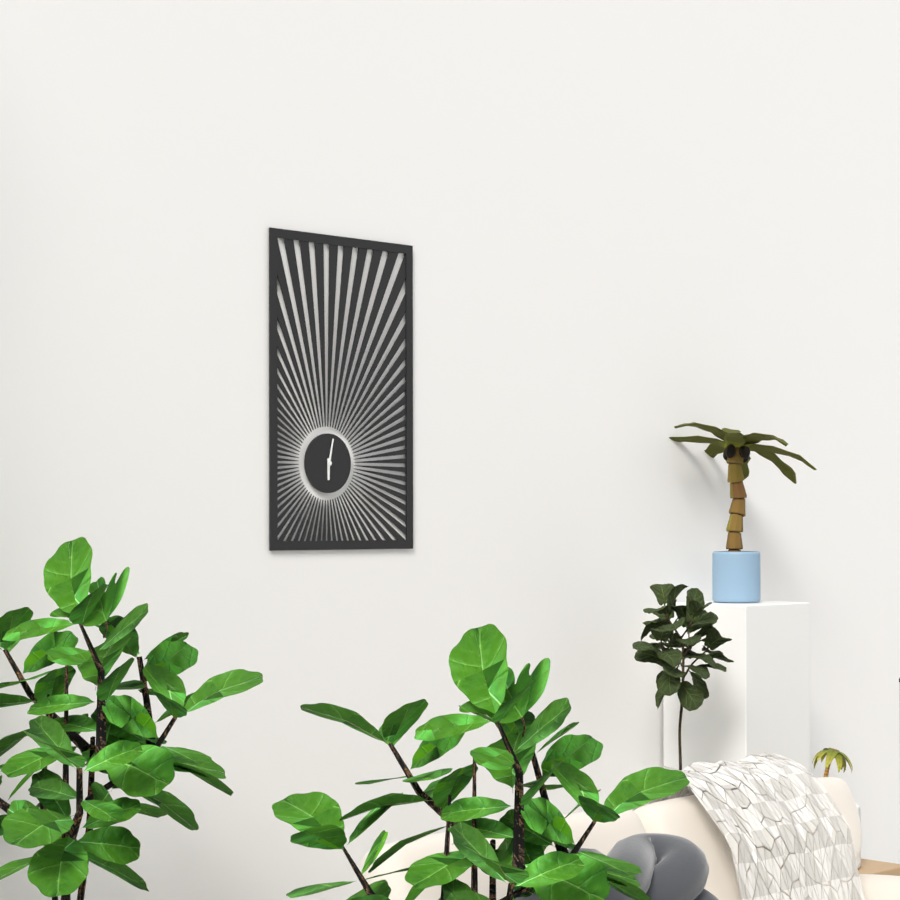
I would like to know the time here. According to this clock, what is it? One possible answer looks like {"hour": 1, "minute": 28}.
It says {"hour": 6, "minute": 2}
